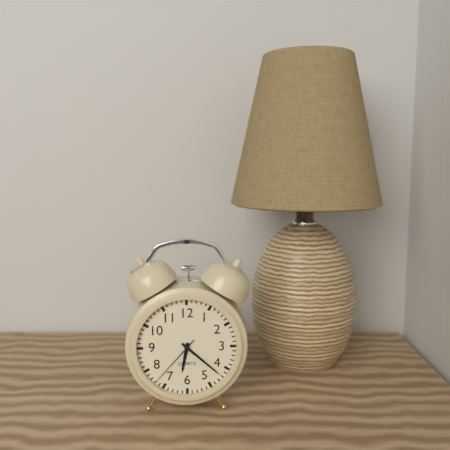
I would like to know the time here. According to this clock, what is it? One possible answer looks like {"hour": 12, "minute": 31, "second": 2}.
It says {"hour": 6, "minute": 22, "second": 37}
